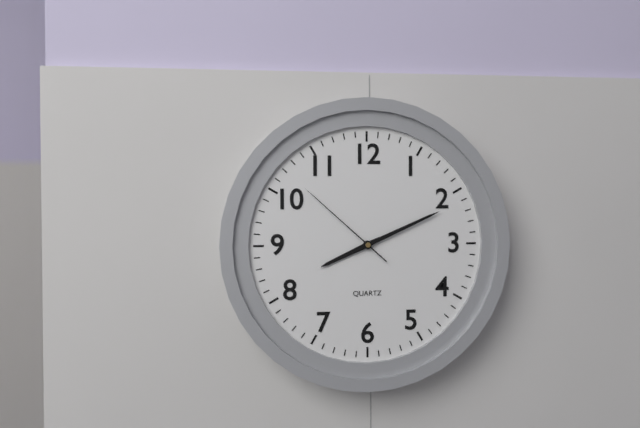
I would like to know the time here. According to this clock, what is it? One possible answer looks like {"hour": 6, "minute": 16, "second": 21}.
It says {"hour": 8, "minute": 11, "second": 52}
